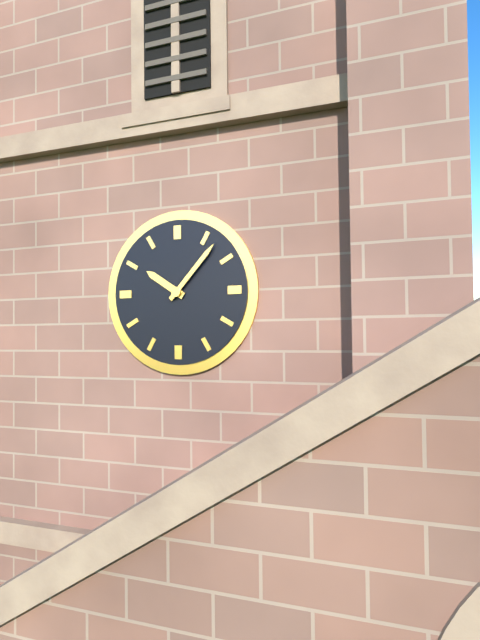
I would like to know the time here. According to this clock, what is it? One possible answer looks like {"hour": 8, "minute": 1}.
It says {"hour": 10, "minute": 7}
